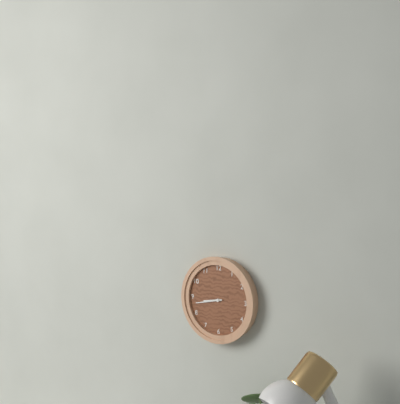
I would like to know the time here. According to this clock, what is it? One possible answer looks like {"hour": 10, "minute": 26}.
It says {"hour": 8, "minute": 43}
